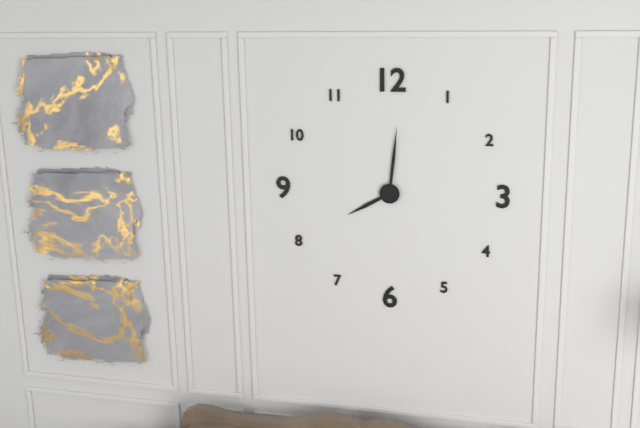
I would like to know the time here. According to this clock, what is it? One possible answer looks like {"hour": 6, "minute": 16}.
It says {"hour": 8, "minute": 1}
